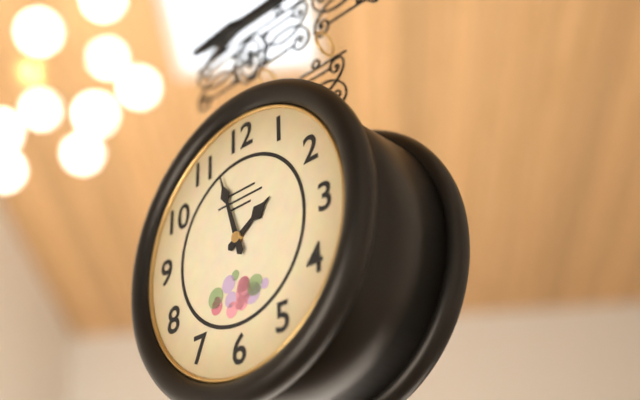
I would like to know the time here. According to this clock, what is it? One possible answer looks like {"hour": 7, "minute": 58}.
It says {"hour": 1, "minute": 57}
